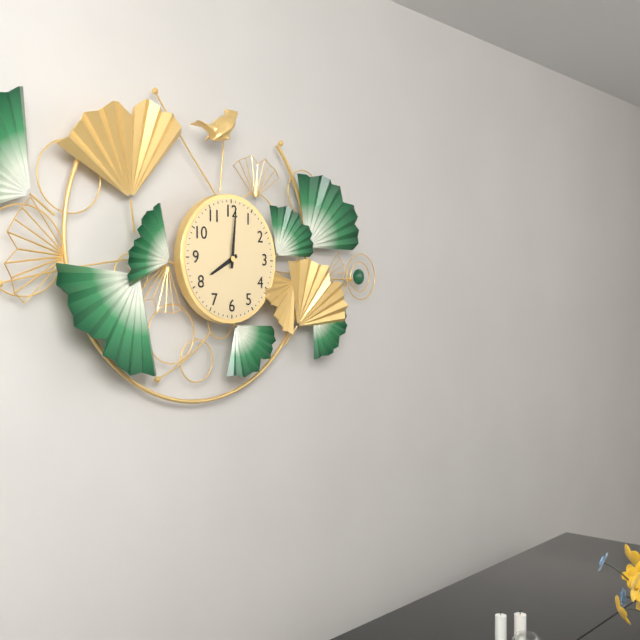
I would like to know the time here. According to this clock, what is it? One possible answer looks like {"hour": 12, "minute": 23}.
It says {"hour": 8, "minute": 1}
